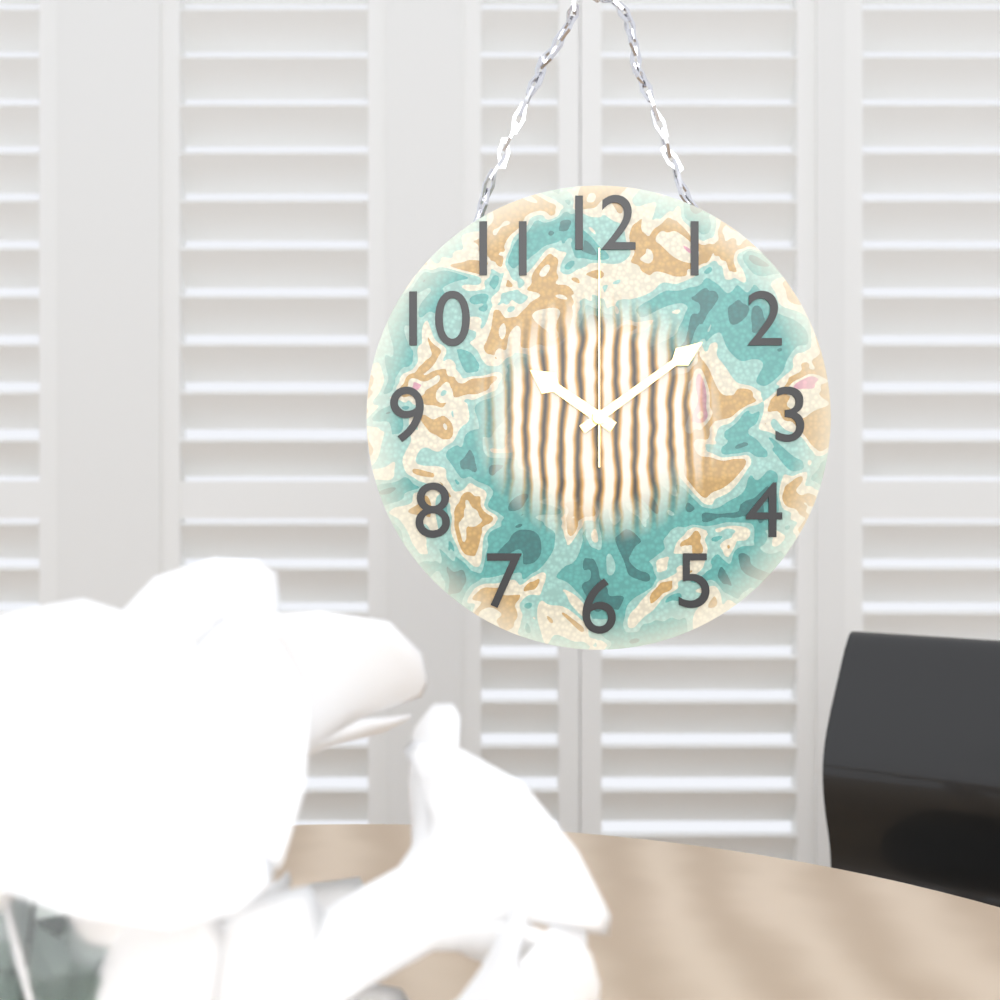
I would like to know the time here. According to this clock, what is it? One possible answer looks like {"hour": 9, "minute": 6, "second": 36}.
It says {"hour": 10, "minute": 9, "second": 0}
